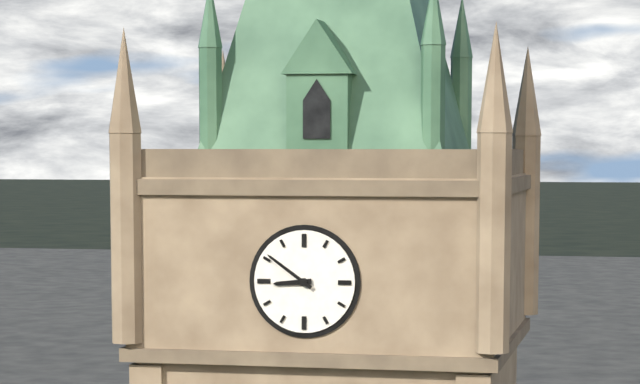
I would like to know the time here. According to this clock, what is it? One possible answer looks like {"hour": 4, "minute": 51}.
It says {"hour": 8, "minute": 51}
